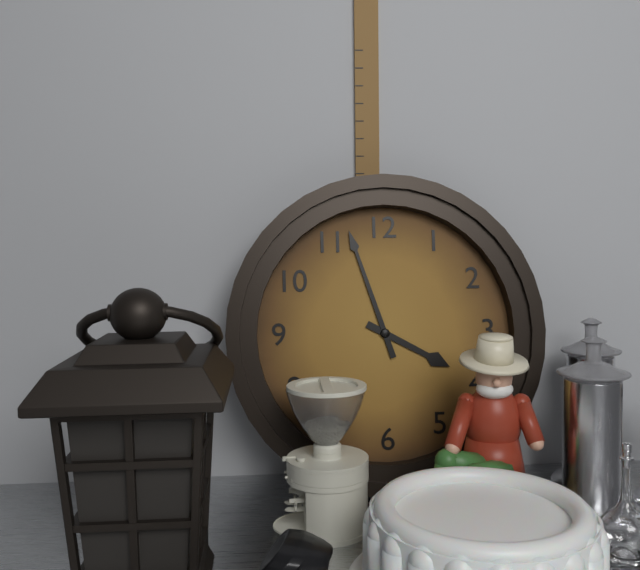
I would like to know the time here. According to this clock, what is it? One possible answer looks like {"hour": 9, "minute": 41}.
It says {"hour": 3, "minute": 57}
